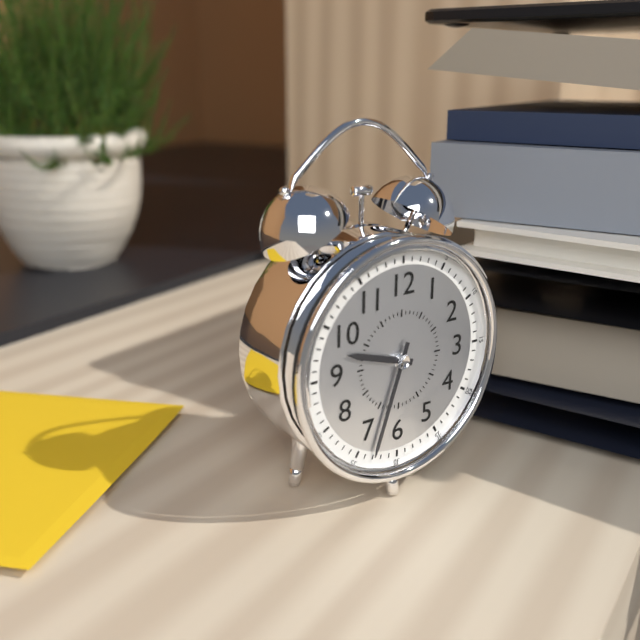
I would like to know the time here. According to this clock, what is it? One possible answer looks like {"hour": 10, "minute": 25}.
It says {"hour": 9, "minute": 33}
